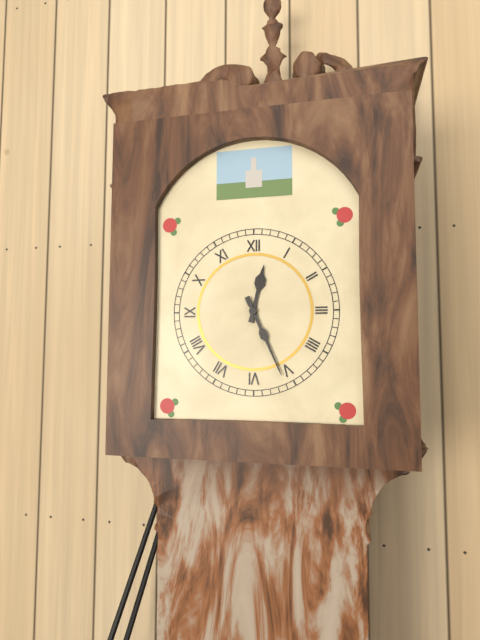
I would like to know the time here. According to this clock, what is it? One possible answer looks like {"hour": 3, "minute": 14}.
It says {"hour": 12, "minute": 26}
